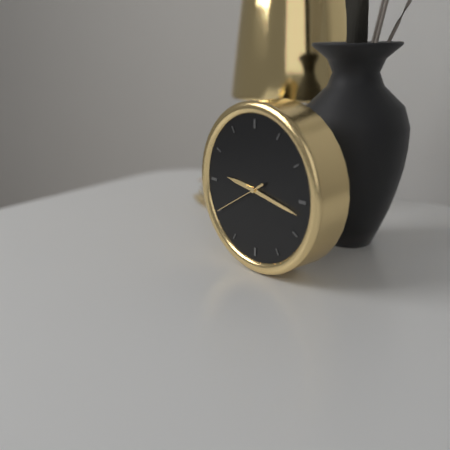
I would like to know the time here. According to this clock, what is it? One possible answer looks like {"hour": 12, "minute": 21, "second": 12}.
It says {"hour": 9, "minute": 17, "second": 40}
